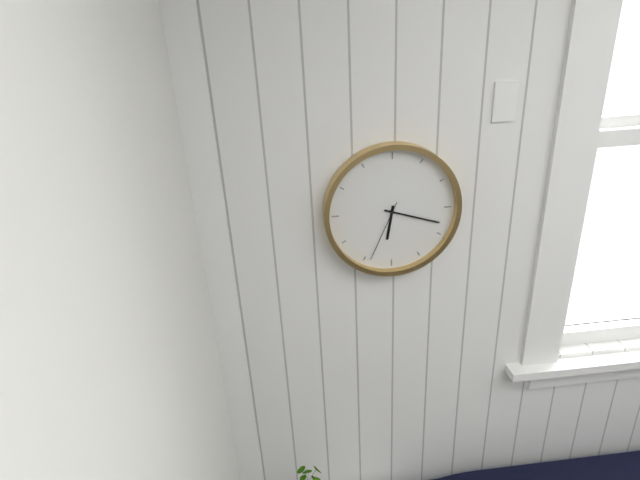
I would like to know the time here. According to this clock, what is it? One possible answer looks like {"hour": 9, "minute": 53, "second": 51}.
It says {"hour": 6, "minute": 18, "second": 34}
